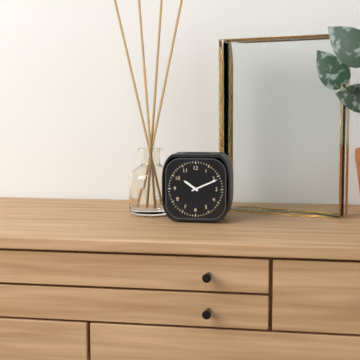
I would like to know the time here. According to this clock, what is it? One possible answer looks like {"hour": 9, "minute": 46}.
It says {"hour": 10, "minute": 11}
